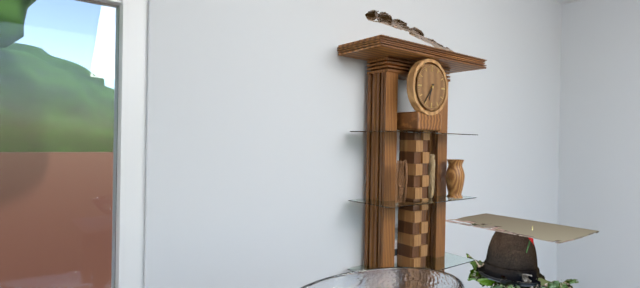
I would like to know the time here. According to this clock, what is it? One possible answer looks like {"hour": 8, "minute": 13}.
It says {"hour": 6, "minute": 36}
